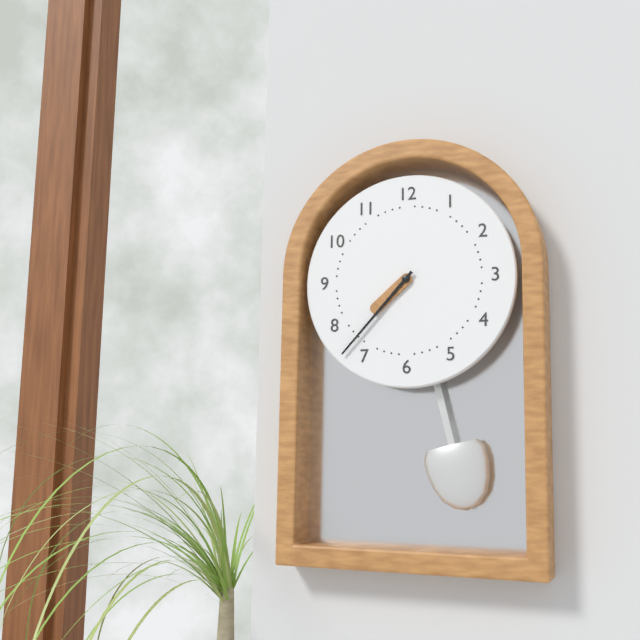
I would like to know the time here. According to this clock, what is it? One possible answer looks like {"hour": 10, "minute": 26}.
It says {"hour": 7, "minute": 37}
